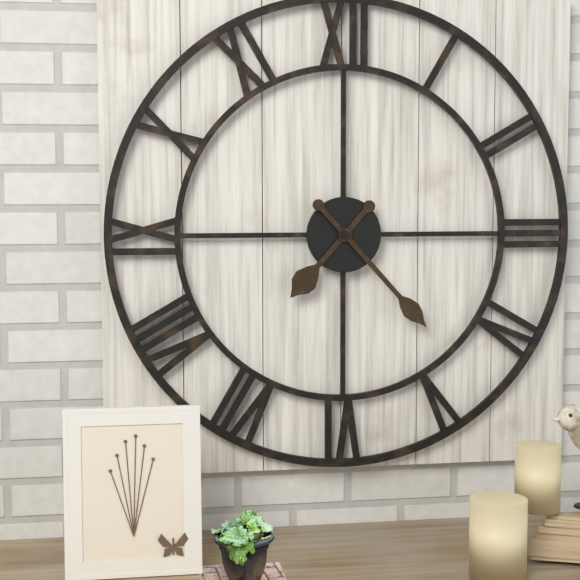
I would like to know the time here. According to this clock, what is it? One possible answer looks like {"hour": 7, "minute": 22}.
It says {"hour": 7, "minute": 23}
